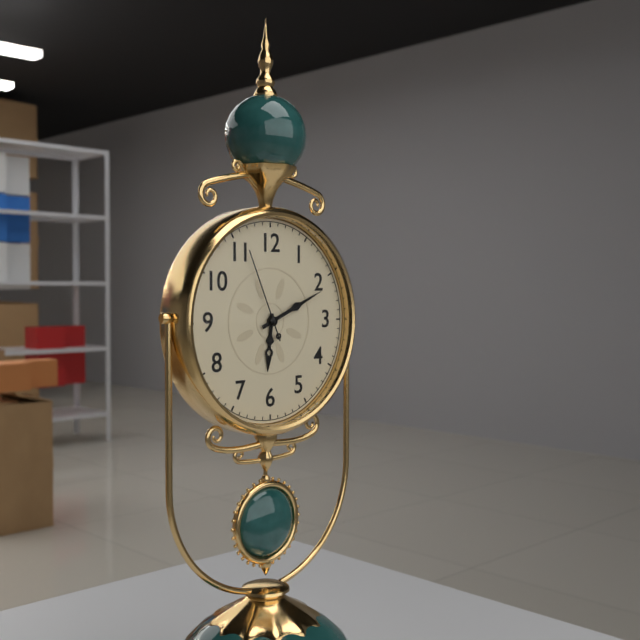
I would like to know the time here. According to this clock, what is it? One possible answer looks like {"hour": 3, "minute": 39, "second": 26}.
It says {"hour": 6, "minute": 11, "second": 56}
